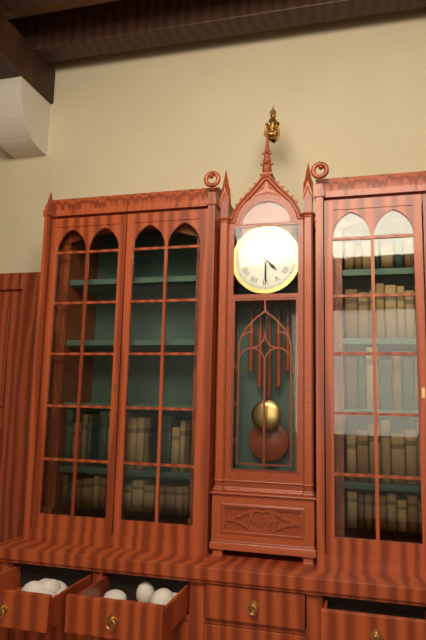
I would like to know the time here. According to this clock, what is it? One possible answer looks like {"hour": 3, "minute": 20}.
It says {"hour": 4, "minute": 30}
